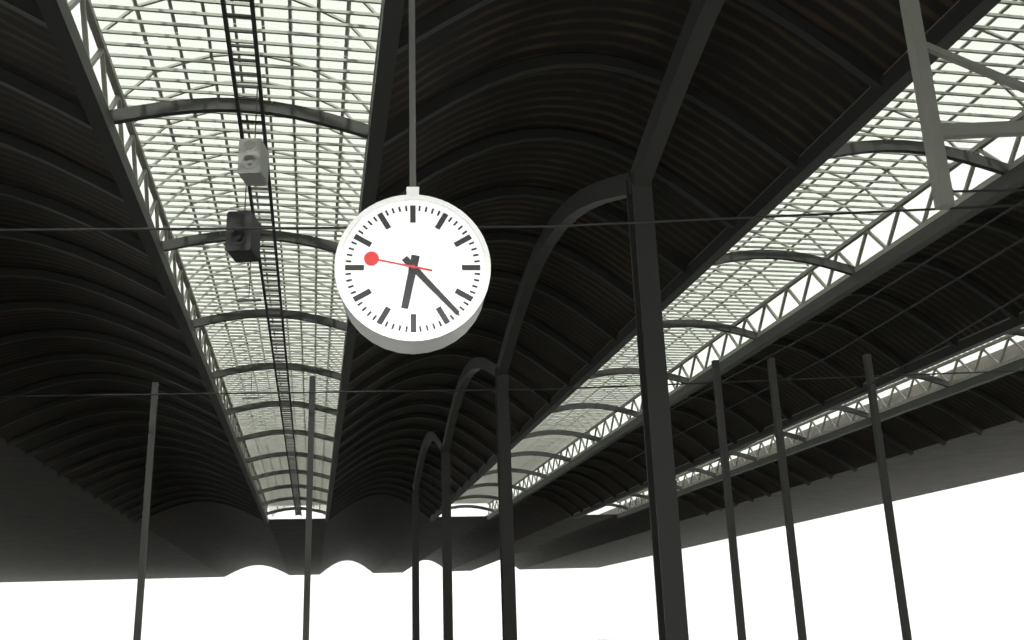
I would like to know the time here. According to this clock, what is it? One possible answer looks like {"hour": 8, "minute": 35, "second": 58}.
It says {"hour": 6, "minute": 23, "second": 47}
